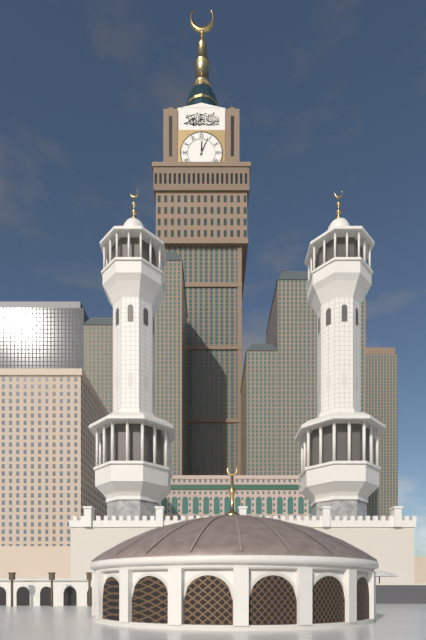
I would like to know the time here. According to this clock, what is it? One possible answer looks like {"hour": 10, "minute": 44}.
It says {"hour": 12, "minute": 4}
